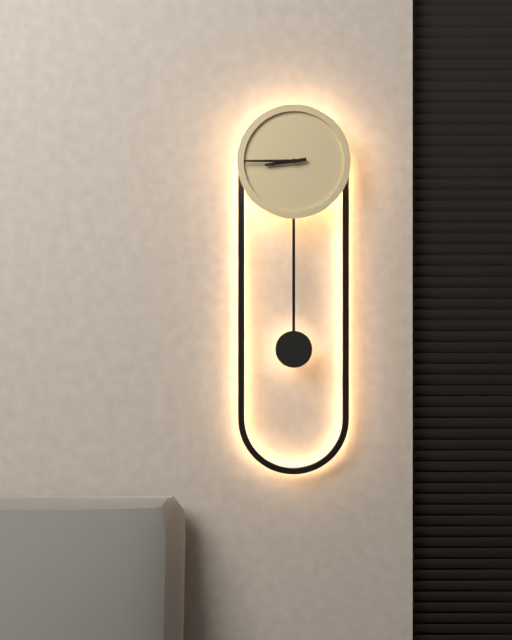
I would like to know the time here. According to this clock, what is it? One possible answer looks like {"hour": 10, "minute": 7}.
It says {"hour": 8, "minute": 45}
